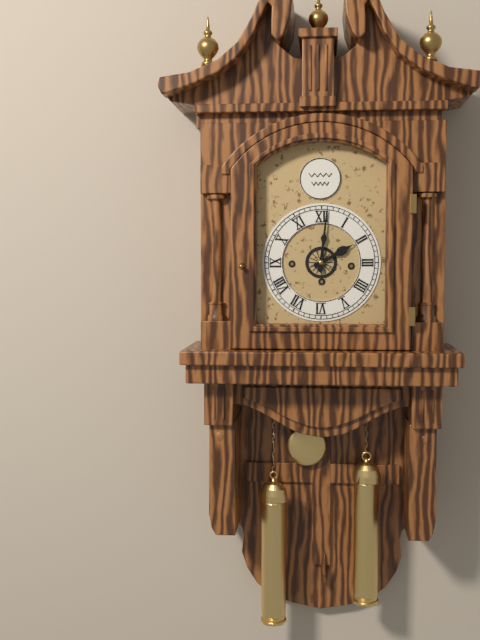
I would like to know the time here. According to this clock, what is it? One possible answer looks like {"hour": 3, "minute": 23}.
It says {"hour": 2, "minute": 1}
